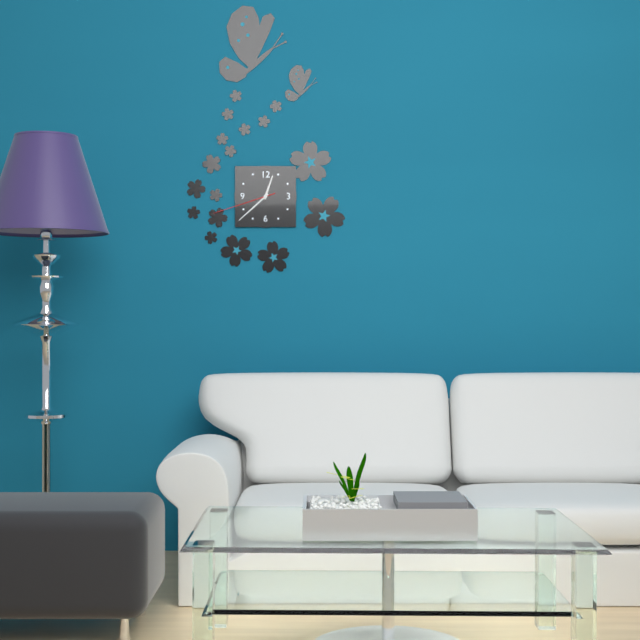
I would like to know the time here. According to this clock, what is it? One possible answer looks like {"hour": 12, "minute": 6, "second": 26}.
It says {"hour": 12, "minute": 38, "second": 42}
